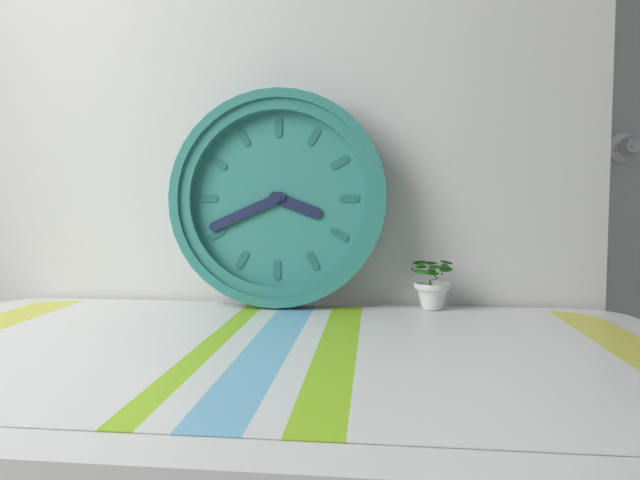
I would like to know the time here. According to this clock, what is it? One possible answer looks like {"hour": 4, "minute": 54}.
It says {"hour": 3, "minute": 41}
